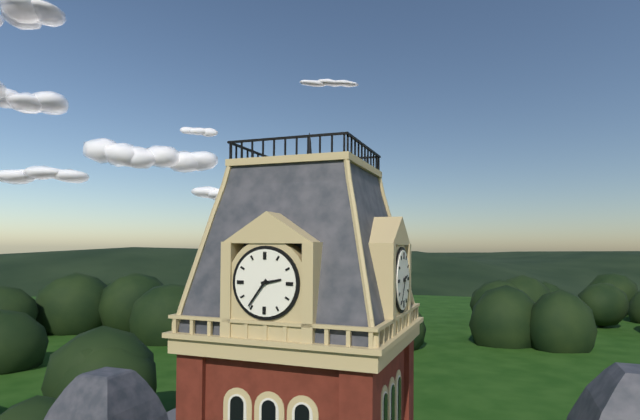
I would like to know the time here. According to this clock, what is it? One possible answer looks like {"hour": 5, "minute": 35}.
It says {"hour": 2, "minute": 36}
